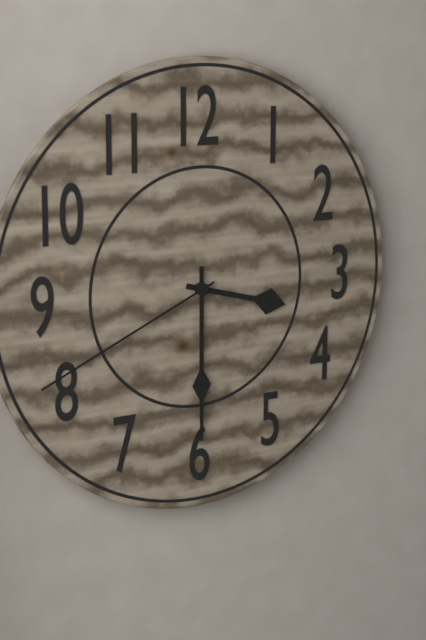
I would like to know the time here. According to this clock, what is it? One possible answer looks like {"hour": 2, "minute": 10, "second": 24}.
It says {"hour": 3, "minute": 30, "second": 41}
